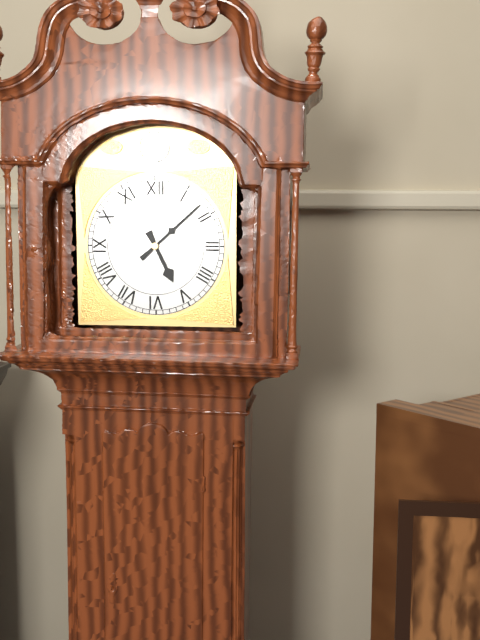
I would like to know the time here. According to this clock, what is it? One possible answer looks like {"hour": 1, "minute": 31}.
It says {"hour": 5, "minute": 8}
